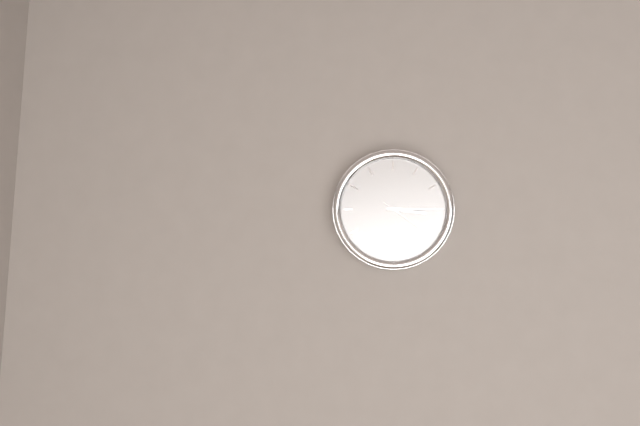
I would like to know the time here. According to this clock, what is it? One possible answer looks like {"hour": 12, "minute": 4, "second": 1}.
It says {"hour": 3, "minute": 15, "second": 21}
